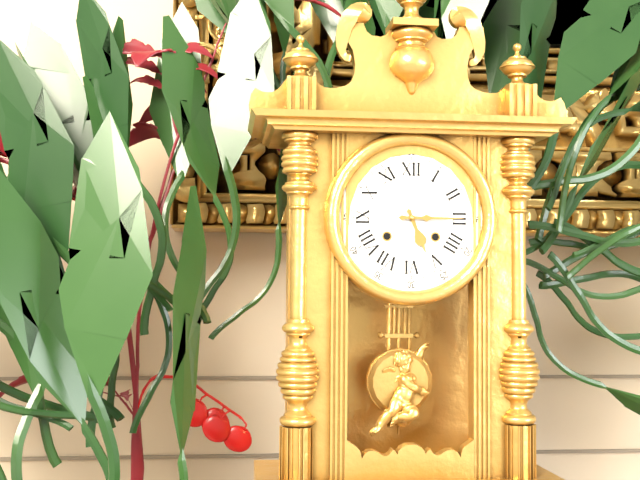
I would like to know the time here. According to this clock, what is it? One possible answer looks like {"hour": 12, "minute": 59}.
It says {"hour": 5, "minute": 15}
